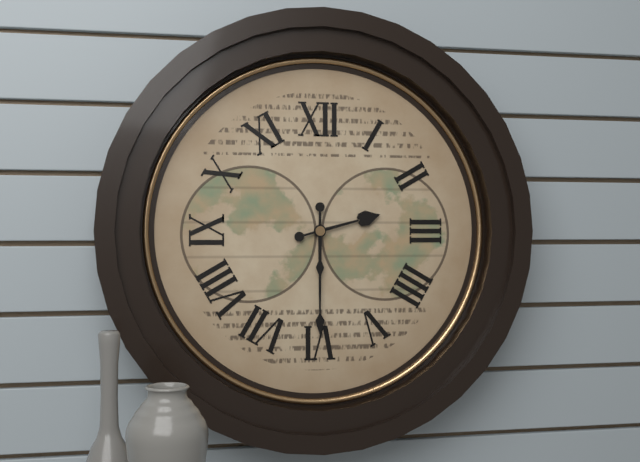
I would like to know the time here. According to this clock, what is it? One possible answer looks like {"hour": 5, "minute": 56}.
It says {"hour": 2, "minute": 30}
